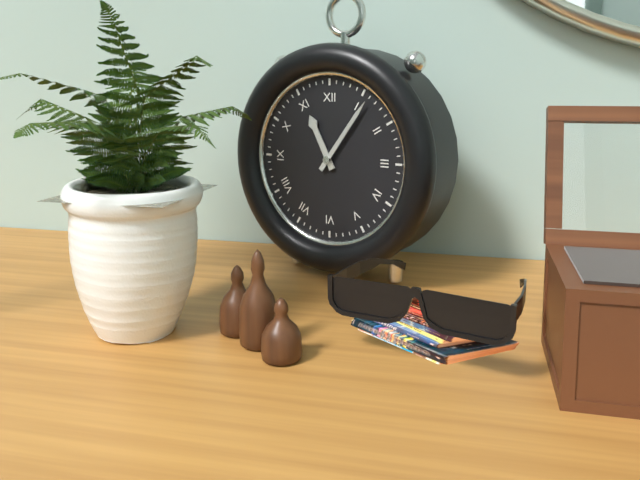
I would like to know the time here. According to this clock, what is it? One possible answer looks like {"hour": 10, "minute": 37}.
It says {"hour": 11, "minute": 6}
